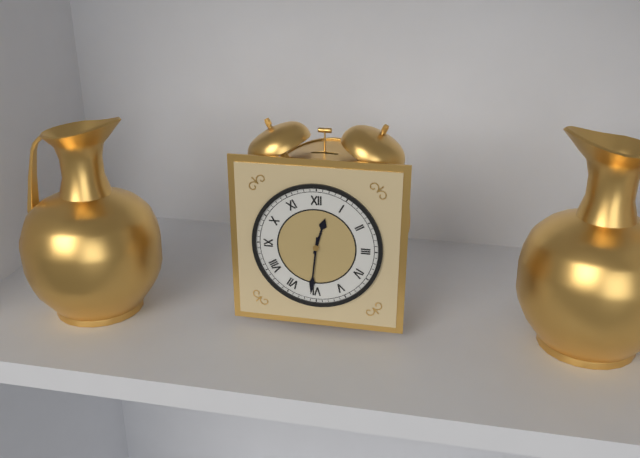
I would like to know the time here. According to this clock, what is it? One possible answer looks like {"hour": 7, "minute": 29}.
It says {"hour": 12, "minute": 31}
